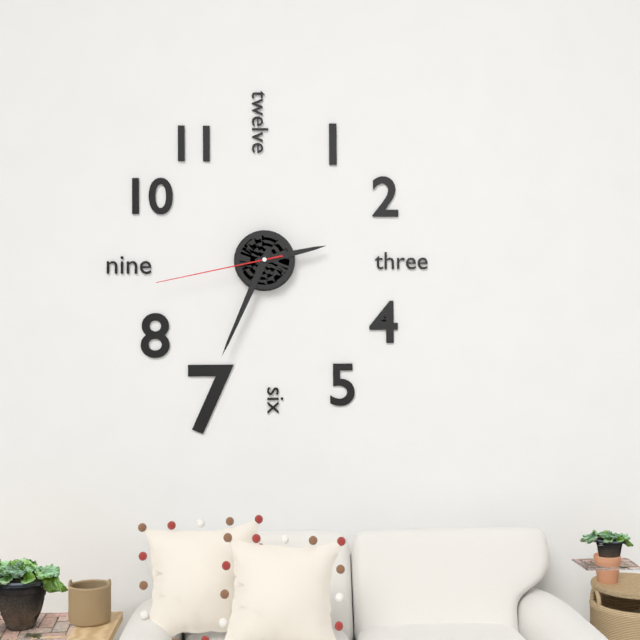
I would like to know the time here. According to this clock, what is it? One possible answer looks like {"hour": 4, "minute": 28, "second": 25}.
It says {"hour": 2, "minute": 34, "second": 43}
